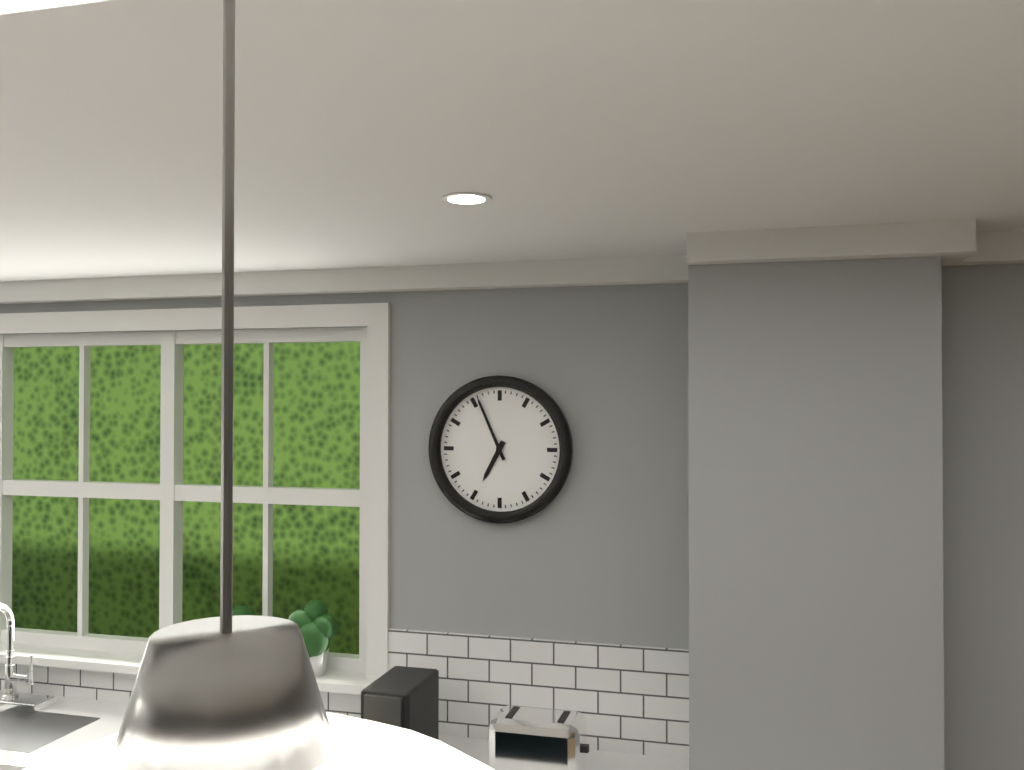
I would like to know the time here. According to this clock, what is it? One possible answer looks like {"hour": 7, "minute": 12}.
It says {"hour": 6, "minute": 56}
